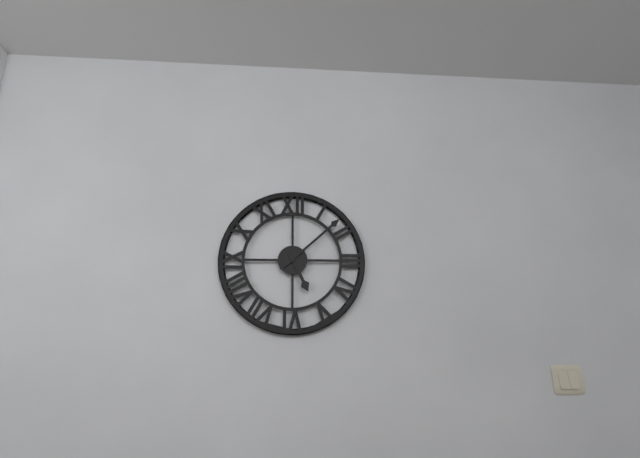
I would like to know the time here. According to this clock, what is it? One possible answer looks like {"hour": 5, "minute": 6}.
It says {"hour": 5, "minute": 8}
